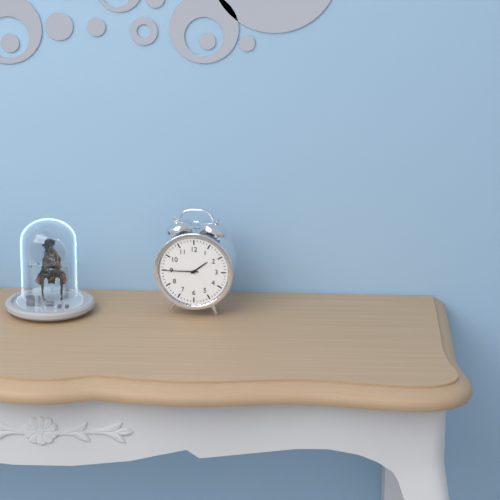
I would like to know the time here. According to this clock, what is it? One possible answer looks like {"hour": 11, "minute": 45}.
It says {"hour": 1, "minute": 45}
